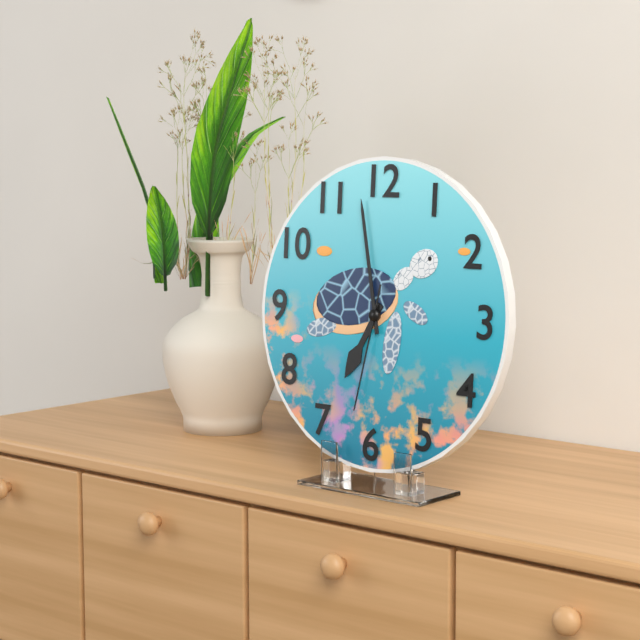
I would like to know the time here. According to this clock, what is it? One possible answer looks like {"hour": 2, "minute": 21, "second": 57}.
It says {"hour": 6, "minute": 58, "second": 32}
